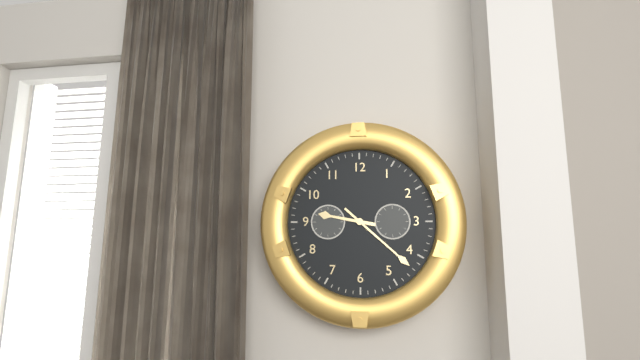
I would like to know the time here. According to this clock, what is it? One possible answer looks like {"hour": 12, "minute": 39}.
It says {"hour": 9, "minute": 22}
